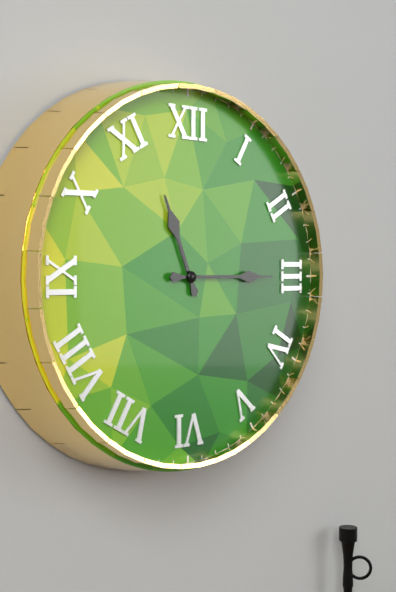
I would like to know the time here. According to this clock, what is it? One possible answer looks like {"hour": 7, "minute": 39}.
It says {"hour": 11, "minute": 15}
